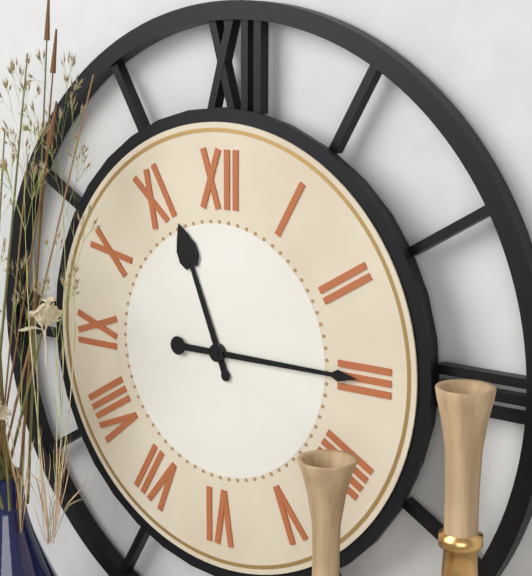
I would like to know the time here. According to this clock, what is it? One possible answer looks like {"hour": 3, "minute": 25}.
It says {"hour": 11, "minute": 15}
